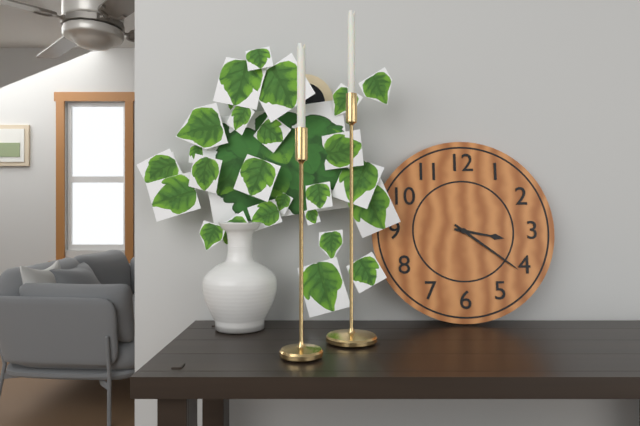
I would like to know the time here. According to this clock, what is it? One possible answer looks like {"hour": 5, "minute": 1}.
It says {"hour": 3, "minute": 21}
